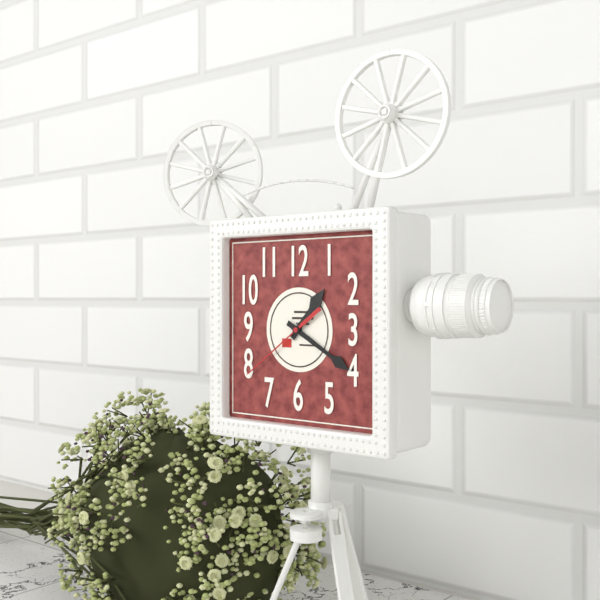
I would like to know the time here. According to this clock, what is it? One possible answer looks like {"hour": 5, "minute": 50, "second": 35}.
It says {"hour": 1, "minute": 20, "second": 39}
